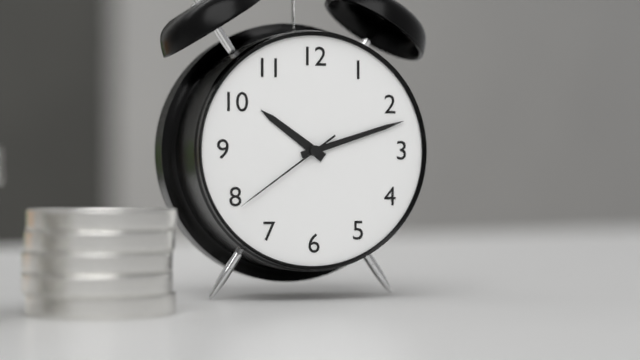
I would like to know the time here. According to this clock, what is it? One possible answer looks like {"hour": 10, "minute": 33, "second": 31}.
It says {"hour": 10, "minute": 12, "second": 39}
